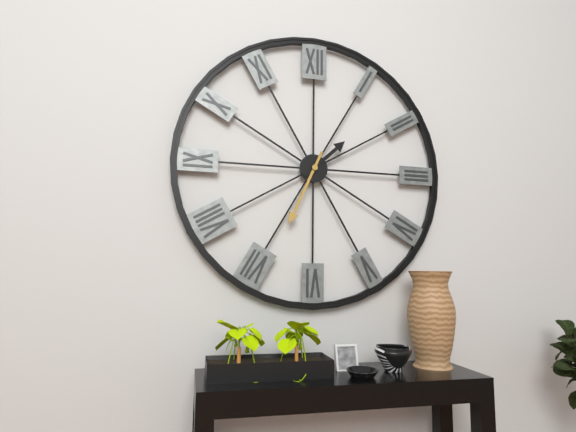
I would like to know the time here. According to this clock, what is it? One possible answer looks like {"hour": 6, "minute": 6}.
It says {"hour": 1, "minute": 34}
